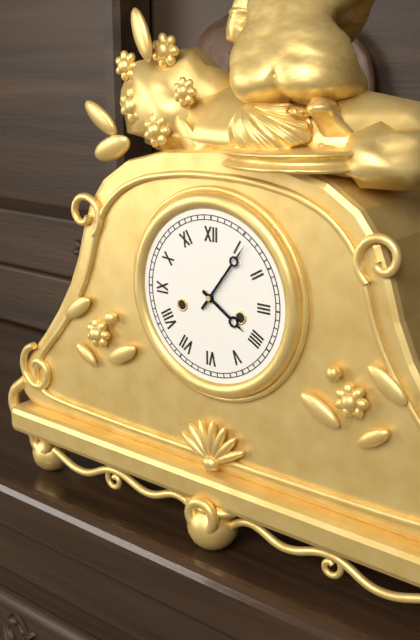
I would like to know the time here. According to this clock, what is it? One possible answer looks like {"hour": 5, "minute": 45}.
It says {"hour": 4, "minute": 6}
